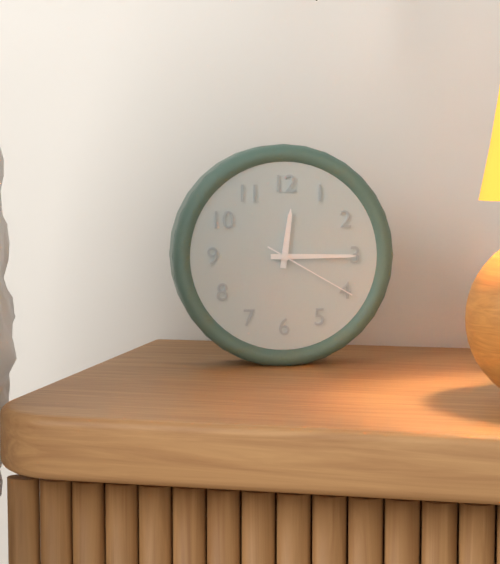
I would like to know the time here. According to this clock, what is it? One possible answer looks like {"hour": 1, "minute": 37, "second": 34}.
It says {"hour": 12, "minute": 15, "second": 20}
